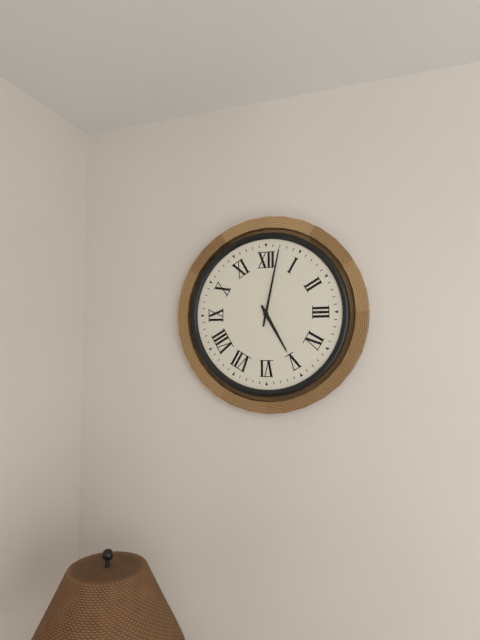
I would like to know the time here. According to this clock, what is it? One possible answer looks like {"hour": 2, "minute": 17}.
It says {"hour": 5, "minute": 2}
